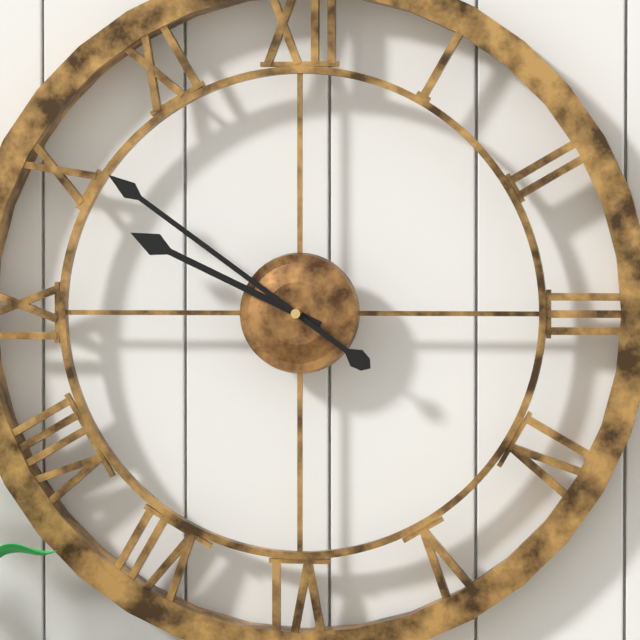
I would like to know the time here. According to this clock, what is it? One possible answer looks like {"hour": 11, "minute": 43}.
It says {"hour": 9, "minute": 51}
